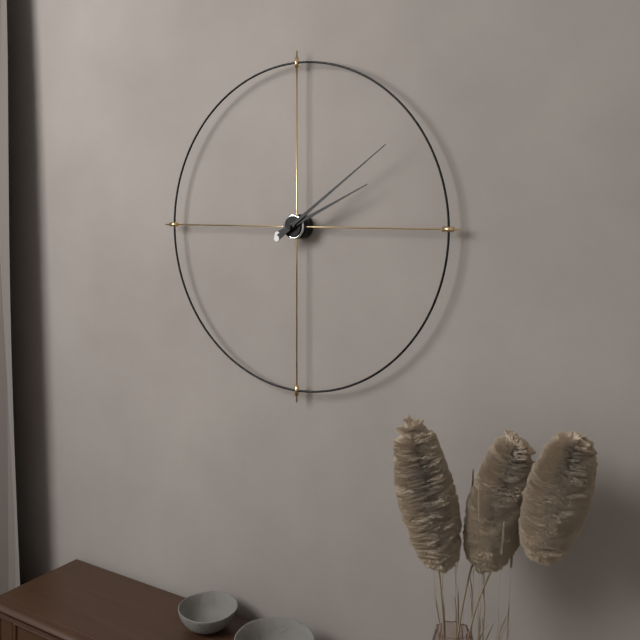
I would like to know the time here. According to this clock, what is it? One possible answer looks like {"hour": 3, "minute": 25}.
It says {"hour": 2, "minute": 9}
